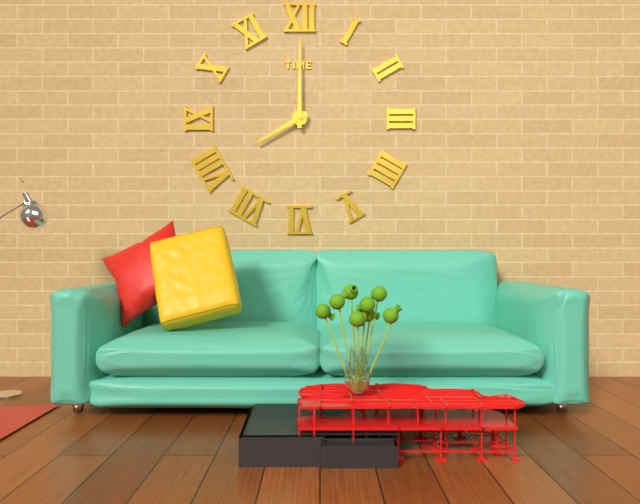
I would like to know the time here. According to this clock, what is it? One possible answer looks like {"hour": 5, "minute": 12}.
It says {"hour": 8, "minute": 0}
